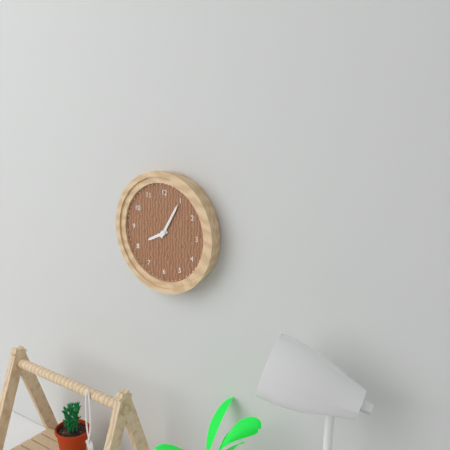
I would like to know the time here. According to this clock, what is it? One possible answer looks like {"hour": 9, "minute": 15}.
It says {"hour": 8, "minute": 5}
